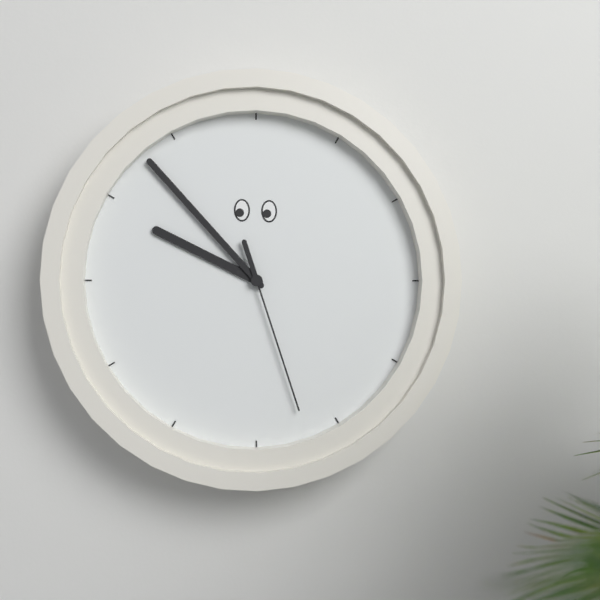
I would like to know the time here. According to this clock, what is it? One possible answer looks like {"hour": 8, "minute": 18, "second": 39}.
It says {"hour": 9, "minute": 53, "second": 27}
